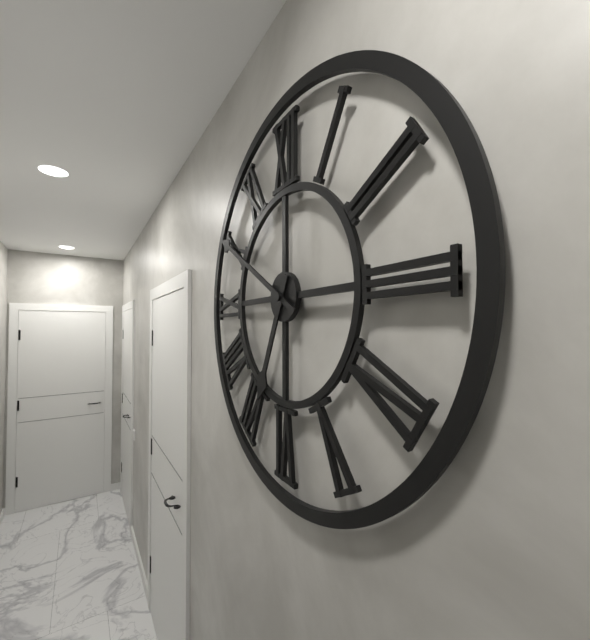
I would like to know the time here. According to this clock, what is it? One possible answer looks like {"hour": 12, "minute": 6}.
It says {"hour": 6, "minute": 50}
